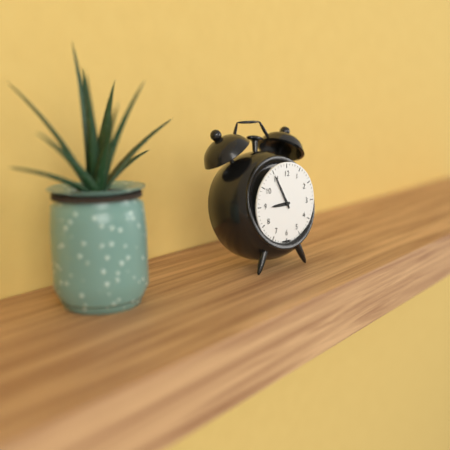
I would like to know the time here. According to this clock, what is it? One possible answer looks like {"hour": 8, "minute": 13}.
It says {"hour": 8, "minute": 55}
